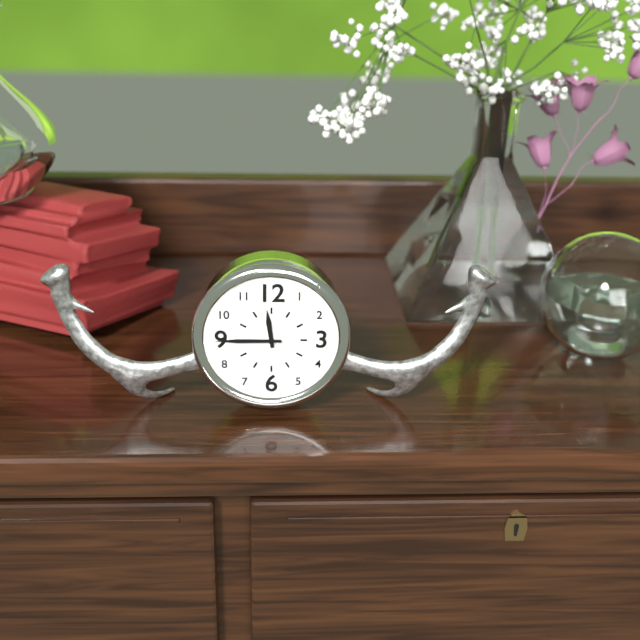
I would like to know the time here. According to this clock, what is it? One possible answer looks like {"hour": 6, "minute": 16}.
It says {"hour": 11, "minute": 45}
